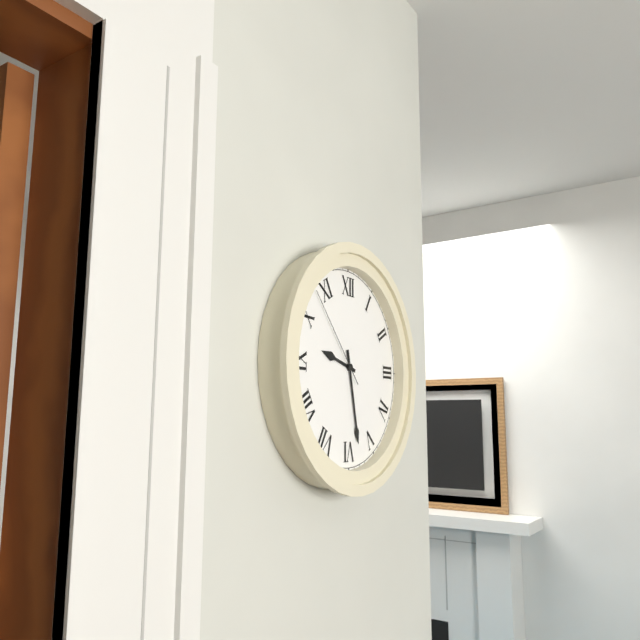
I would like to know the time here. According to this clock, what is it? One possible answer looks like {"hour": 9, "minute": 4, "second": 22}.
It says {"hour": 9, "minute": 28, "second": 53}
